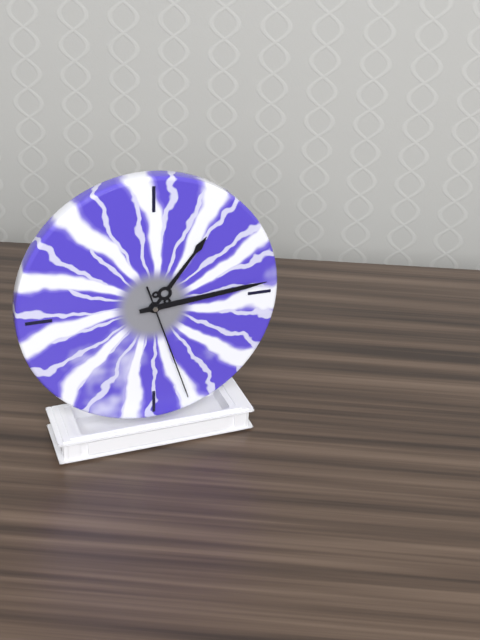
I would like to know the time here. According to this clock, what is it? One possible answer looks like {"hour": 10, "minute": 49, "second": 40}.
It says {"hour": 1, "minute": 14, "second": 27}
